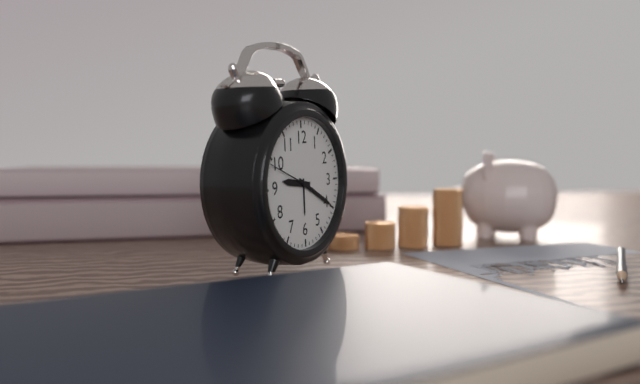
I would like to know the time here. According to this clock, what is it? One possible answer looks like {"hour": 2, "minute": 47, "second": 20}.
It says {"hour": 9, "minute": 20, "second": 49}
